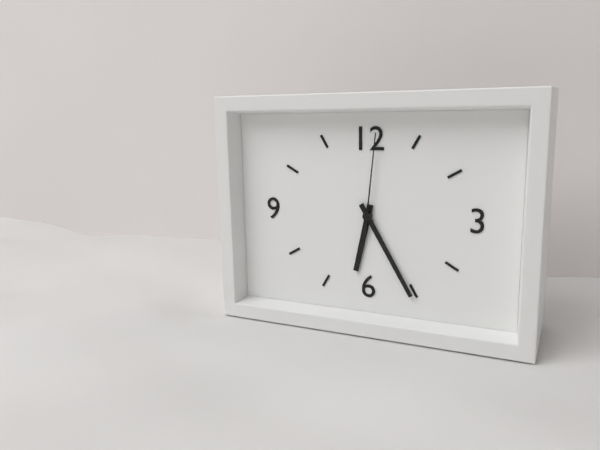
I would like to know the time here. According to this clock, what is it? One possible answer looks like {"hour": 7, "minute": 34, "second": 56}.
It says {"hour": 6, "minute": 25, "second": 1}
